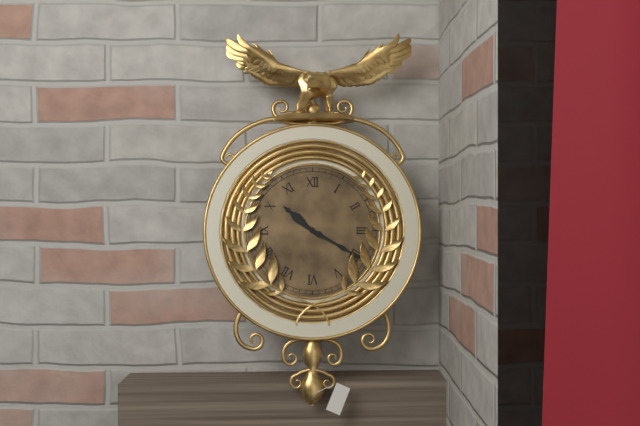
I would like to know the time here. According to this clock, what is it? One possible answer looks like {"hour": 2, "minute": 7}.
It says {"hour": 10, "minute": 20}
